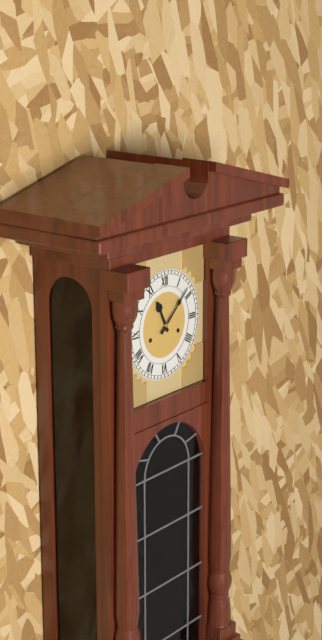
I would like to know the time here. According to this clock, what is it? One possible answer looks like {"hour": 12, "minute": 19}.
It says {"hour": 11, "minute": 8}
